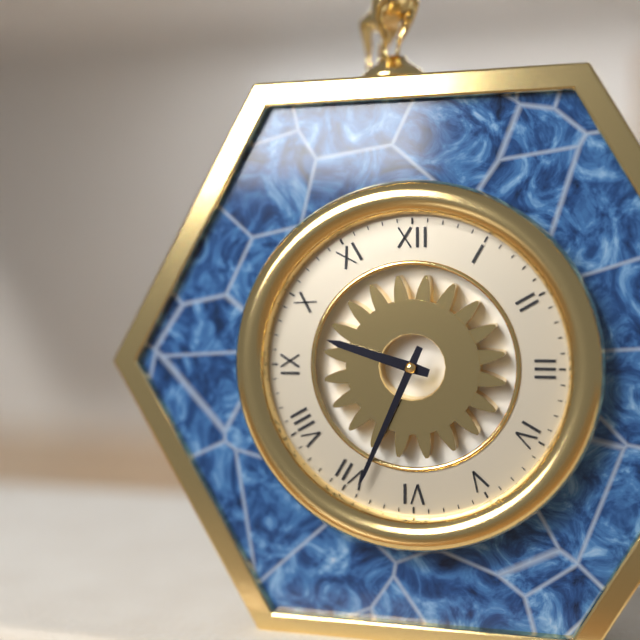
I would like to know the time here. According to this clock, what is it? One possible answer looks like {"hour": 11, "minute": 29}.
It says {"hour": 9, "minute": 34}
